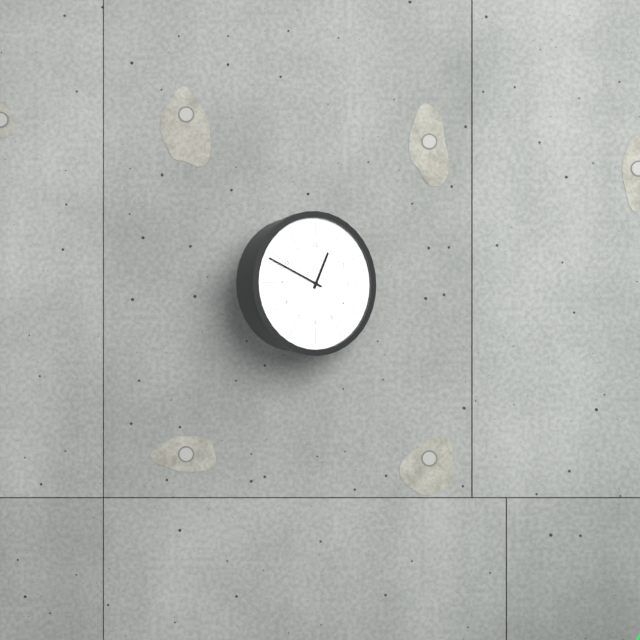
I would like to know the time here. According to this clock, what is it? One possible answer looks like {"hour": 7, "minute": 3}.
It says {"hour": 12, "minute": 49}
